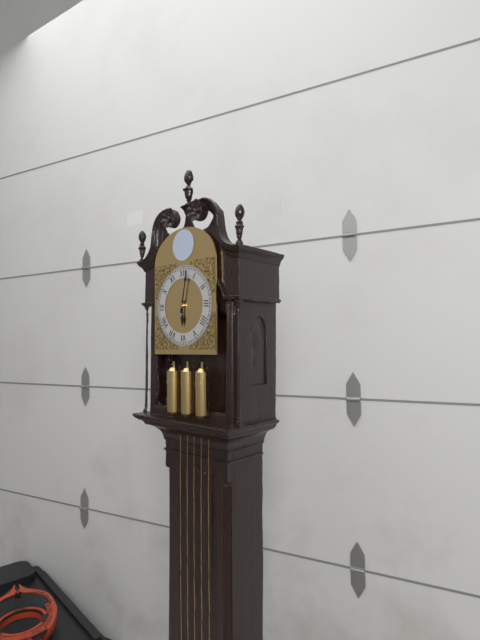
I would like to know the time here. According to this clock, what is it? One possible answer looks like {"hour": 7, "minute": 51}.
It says {"hour": 6, "minute": 2}
